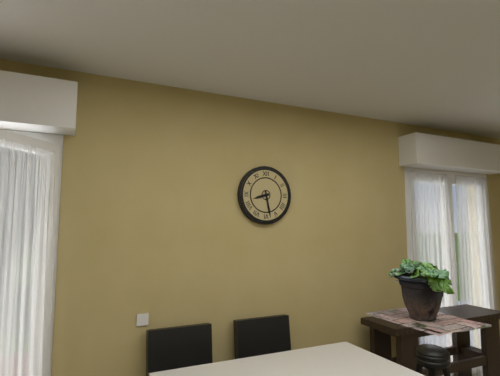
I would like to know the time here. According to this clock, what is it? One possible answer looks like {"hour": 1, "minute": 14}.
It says {"hour": 8, "minute": 28}
